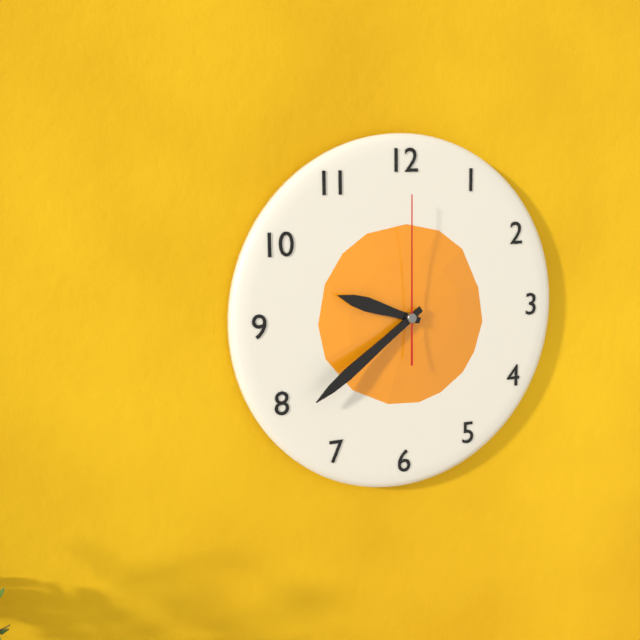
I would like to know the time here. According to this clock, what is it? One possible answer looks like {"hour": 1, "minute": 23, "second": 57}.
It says {"hour": 9, "minute": 39, "second": 0}
